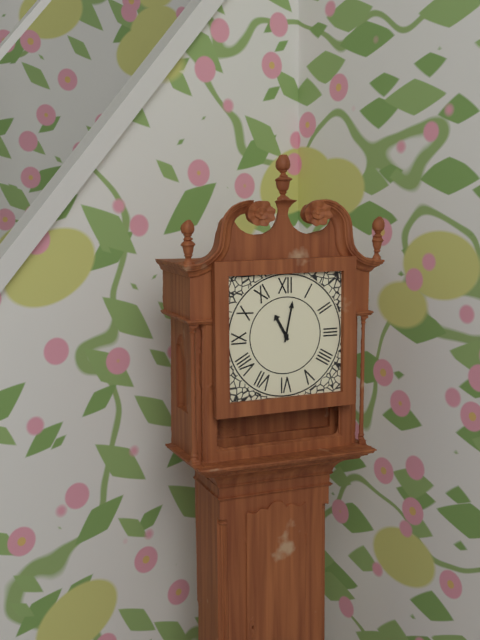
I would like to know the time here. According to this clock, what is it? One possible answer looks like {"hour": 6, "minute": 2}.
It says {"hour": 11, "minute": 2}
